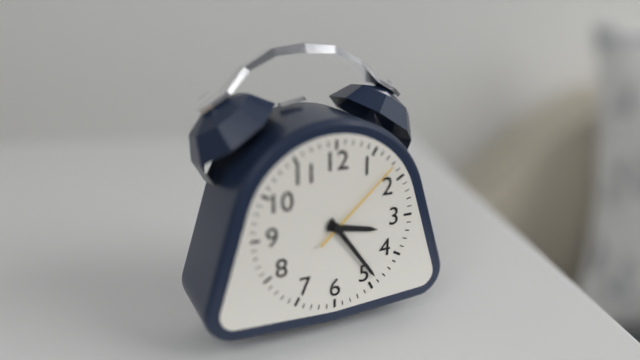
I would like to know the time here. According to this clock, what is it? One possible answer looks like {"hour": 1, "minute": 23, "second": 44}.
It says {"hour": 3, "minute": 24, "second": 8}
